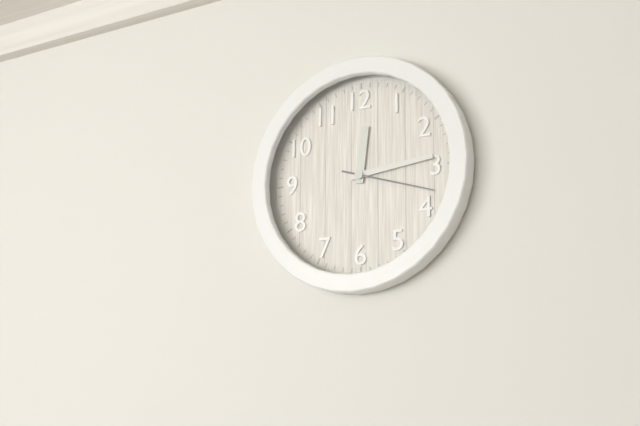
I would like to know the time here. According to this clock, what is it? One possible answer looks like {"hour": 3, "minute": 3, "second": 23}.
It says {"hour": 12, "minute": 14, "second": 18}
